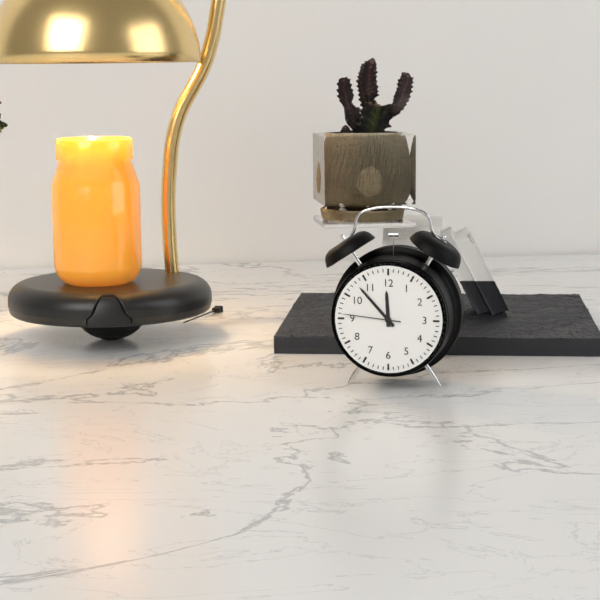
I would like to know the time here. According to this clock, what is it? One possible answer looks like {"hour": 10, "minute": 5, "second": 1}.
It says {"hour": 11, "minute": 53, "second": 46}
